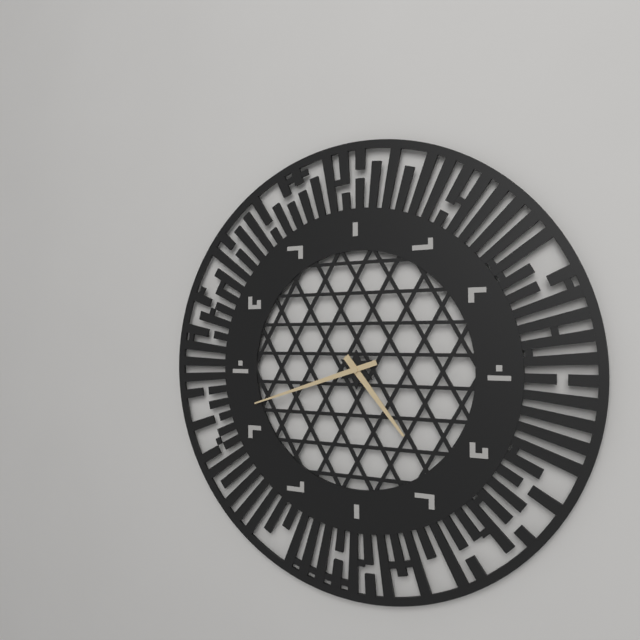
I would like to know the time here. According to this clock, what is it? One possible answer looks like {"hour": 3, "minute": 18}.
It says {"hour": 4, "minute": 42}
